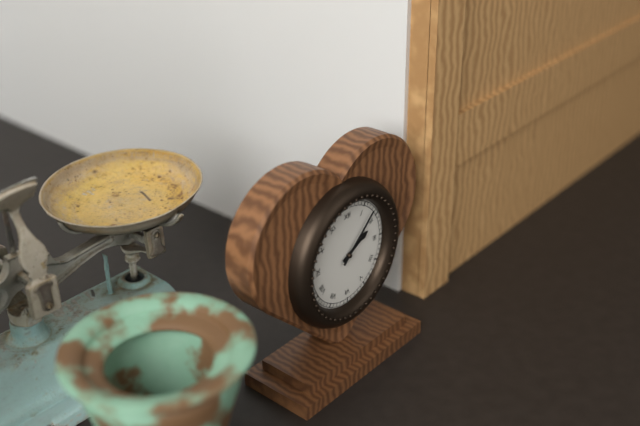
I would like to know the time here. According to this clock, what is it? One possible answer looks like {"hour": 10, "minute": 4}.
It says {"hour": 2, "minute": 8}
